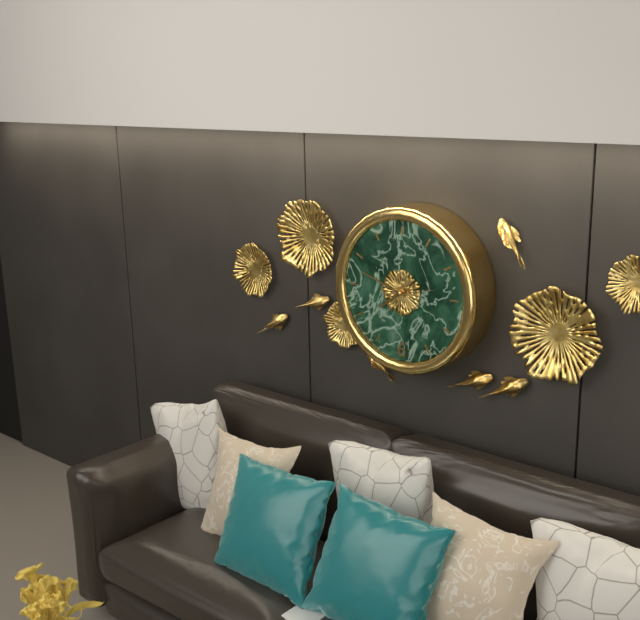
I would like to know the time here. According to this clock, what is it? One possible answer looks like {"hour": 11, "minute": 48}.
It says {"hour": 7, "minute": 48}
